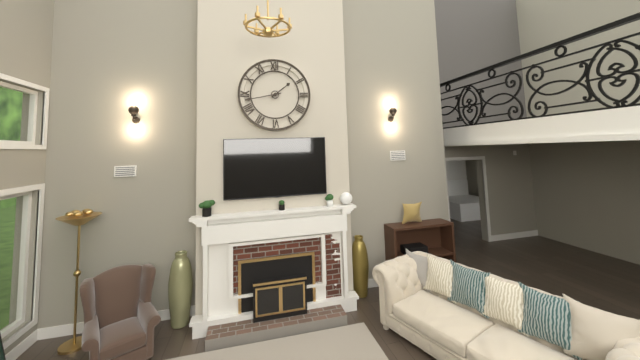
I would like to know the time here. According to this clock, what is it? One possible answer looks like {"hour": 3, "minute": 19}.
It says {"hour": 1, "minute": 43}
